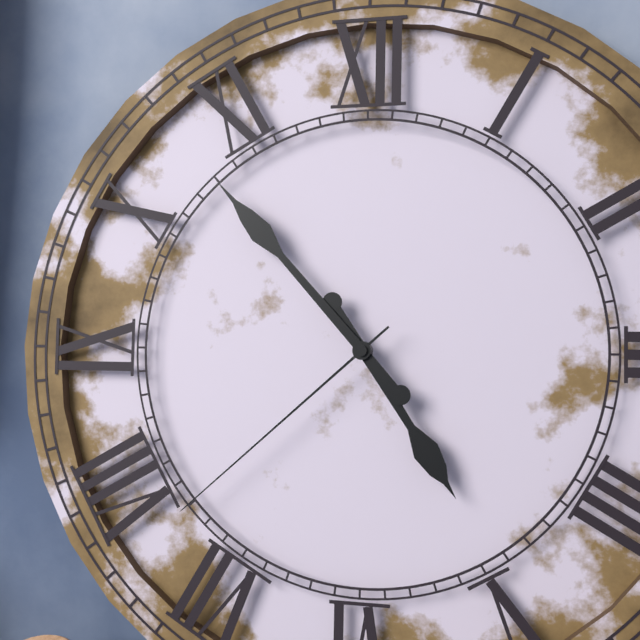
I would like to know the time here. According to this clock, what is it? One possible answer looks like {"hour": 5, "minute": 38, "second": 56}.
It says {"hour": 4, "minute": 53, "second": 38}
